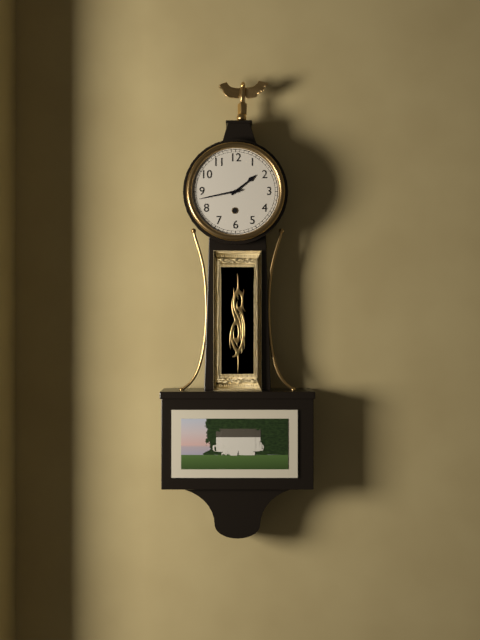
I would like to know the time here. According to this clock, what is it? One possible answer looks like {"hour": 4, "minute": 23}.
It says {"hour": 1, "minute": 43}
